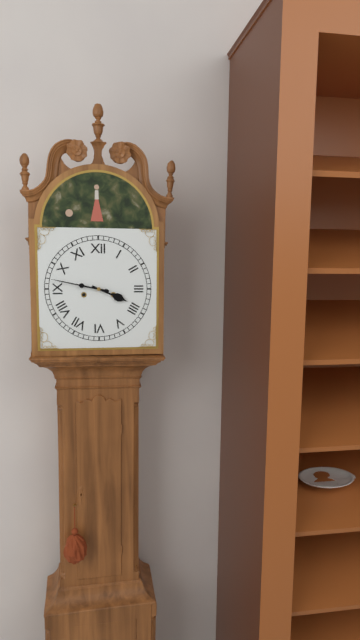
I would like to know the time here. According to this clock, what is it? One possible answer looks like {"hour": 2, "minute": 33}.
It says {"hour": 3, "minute": 47}
